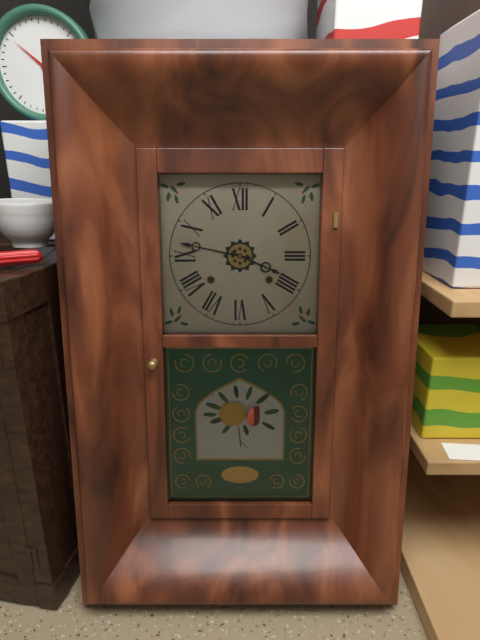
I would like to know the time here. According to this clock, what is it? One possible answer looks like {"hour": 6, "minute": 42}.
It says {"hour": 3, "minute": 47}
